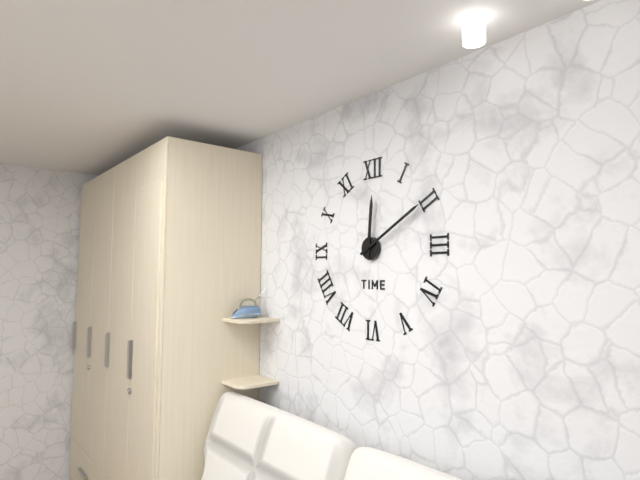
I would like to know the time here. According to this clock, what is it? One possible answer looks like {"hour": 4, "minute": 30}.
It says {"hour": 12, "minute": 10}
